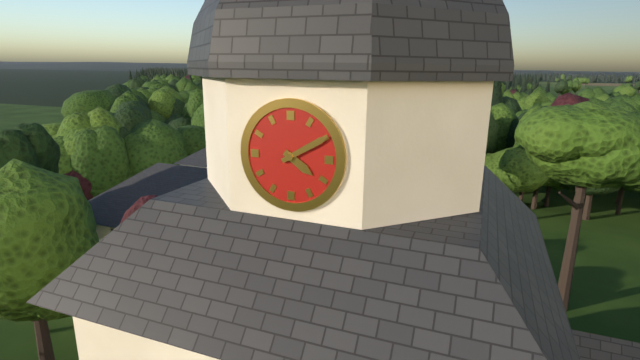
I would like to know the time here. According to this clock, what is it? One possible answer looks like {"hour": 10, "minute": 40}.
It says {"hour": 4, "minute": 10}
